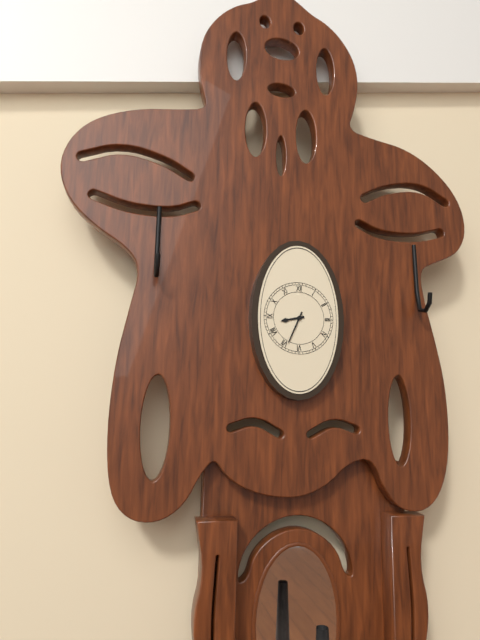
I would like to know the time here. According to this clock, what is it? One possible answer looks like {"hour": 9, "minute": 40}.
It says {"hour": 8, "minute": 34}
